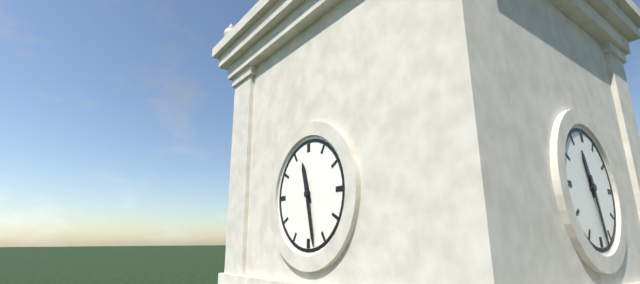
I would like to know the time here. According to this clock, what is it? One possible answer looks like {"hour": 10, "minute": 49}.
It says {"hour": 11, "minute": 28}
